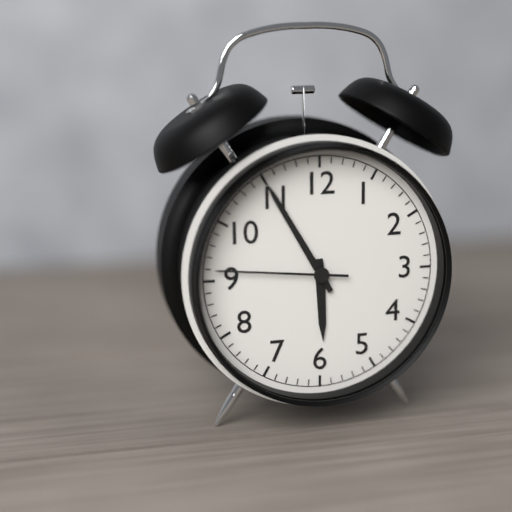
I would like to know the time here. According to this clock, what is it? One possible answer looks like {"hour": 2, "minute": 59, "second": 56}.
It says {"hour": 5, "minute": 55, "second": 46}
